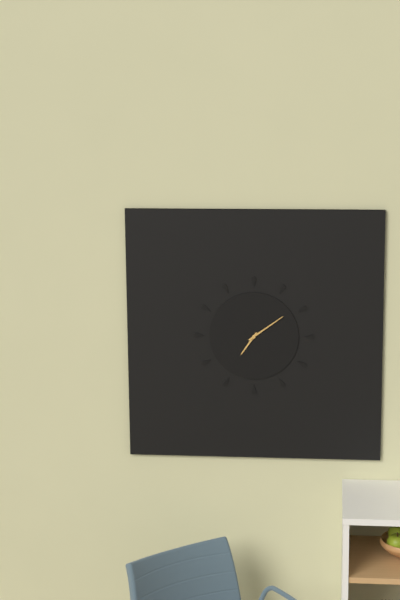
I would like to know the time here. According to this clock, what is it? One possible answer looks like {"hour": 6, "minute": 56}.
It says {"hour": 7, "minute": 9}
